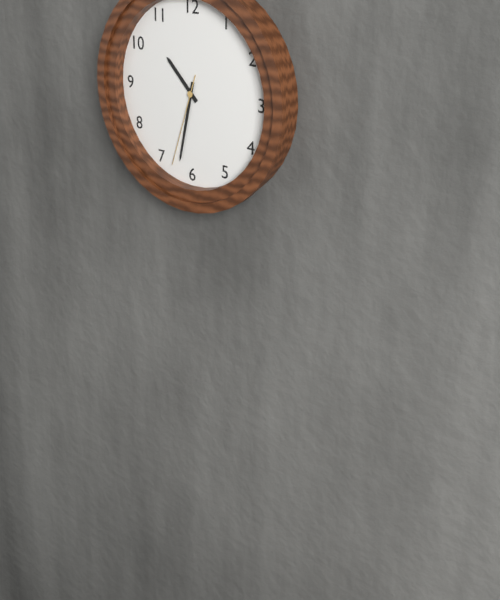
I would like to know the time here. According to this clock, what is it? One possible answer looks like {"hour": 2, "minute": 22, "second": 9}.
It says {"hour": 10, "minute": 32, "second": 33}
